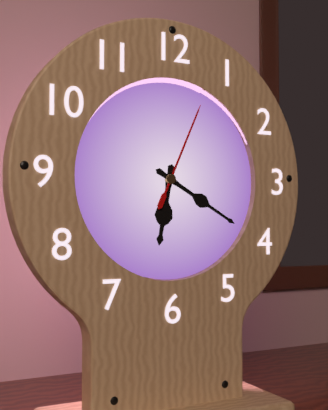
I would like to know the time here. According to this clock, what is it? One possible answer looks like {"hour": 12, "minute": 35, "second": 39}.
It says {"hour": 6, "minute": 20, "second": 4}
